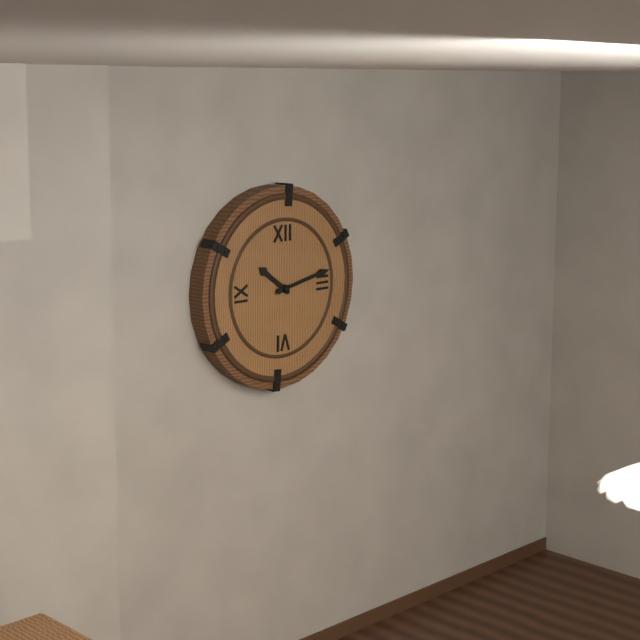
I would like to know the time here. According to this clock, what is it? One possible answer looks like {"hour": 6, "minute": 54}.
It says {"hour": 10, "minute": 13}
